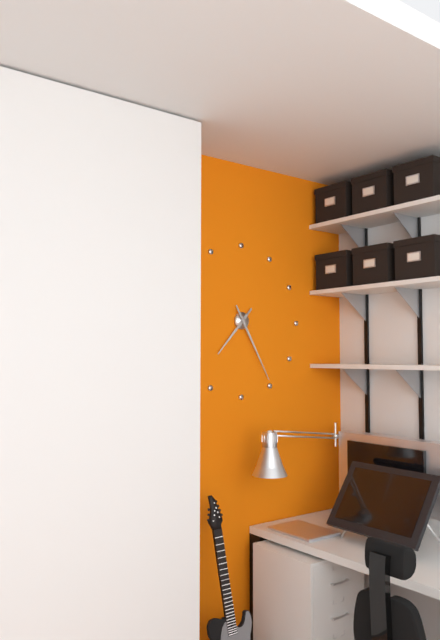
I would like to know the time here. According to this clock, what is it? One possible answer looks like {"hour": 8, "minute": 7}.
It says {"hour": 7, "minute": 25}
